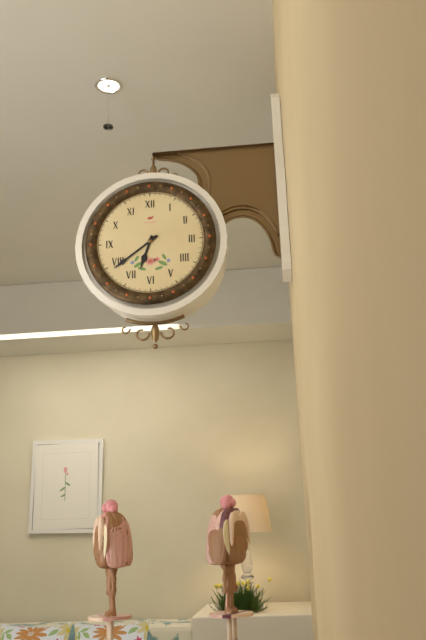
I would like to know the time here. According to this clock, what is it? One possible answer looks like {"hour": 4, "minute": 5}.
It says {"hour": 6, "minute": 39}
